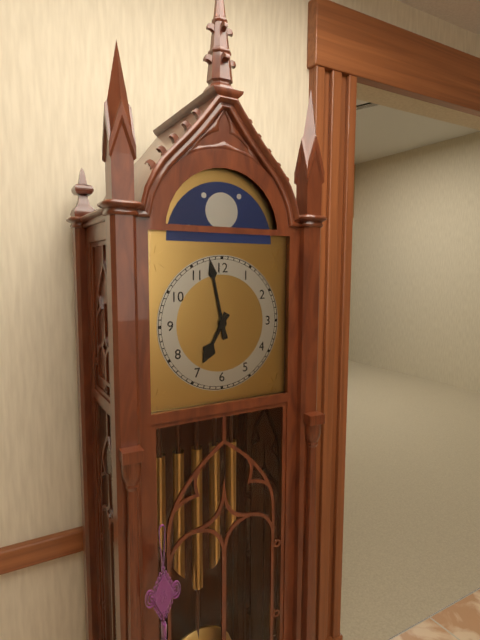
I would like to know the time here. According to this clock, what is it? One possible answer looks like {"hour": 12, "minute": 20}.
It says {"hour": 6, "minute": 58}
